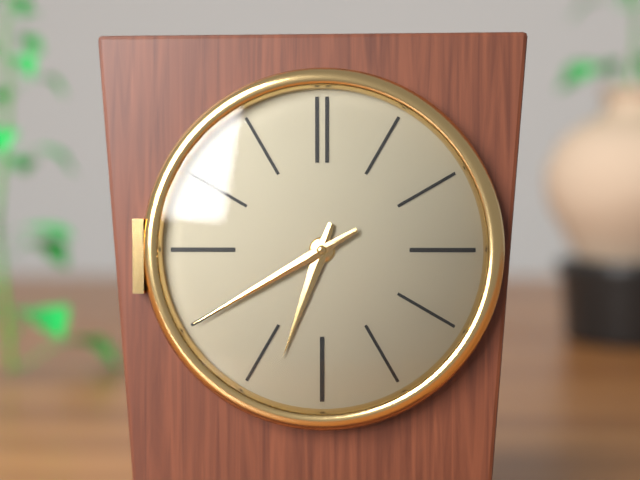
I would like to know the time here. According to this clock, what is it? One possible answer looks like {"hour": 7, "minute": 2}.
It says {"hour": 6, "minute": 40}
